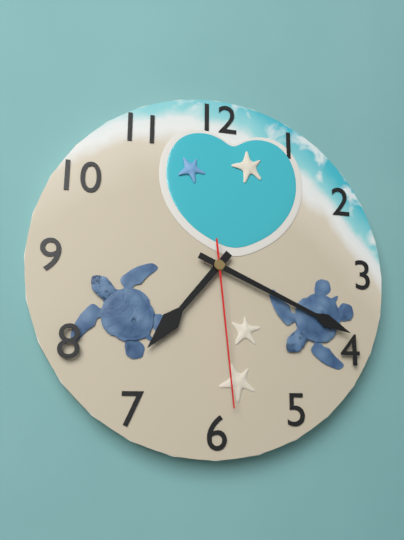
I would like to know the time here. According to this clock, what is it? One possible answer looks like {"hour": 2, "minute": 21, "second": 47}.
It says {"hour": 7, "minute": 19, "second": 29}
